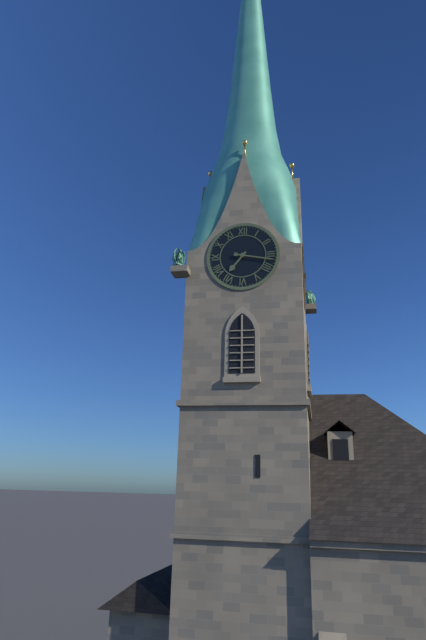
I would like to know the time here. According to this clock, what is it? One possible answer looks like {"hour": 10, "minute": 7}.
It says {"hour": 7, "minute": 17}
